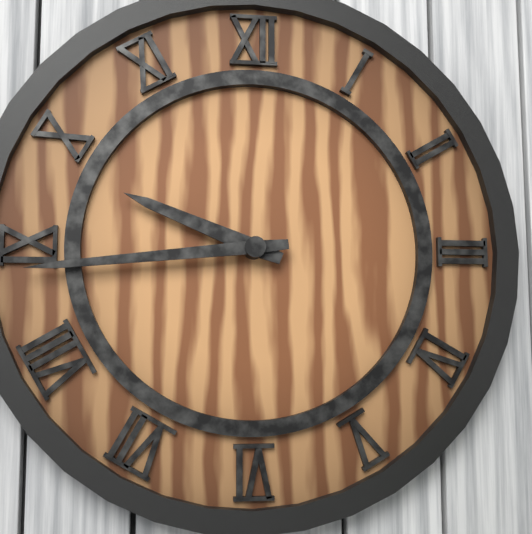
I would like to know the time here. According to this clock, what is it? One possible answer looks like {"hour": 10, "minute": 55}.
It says {"hour": 9, "minute": 44}
